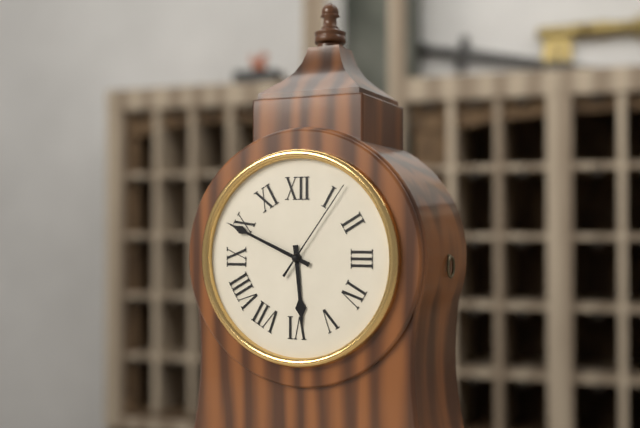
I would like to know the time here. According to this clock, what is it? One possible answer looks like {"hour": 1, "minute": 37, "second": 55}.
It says {"hour": 5, "minute": 49, "second": 6}
